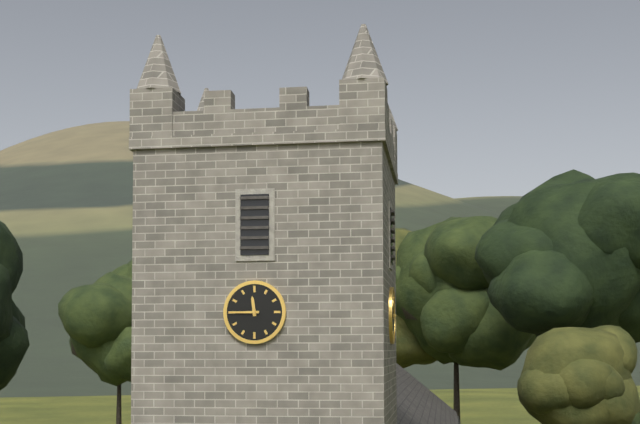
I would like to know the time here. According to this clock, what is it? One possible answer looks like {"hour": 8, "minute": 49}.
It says {"hour": 11, "minute": 45}
